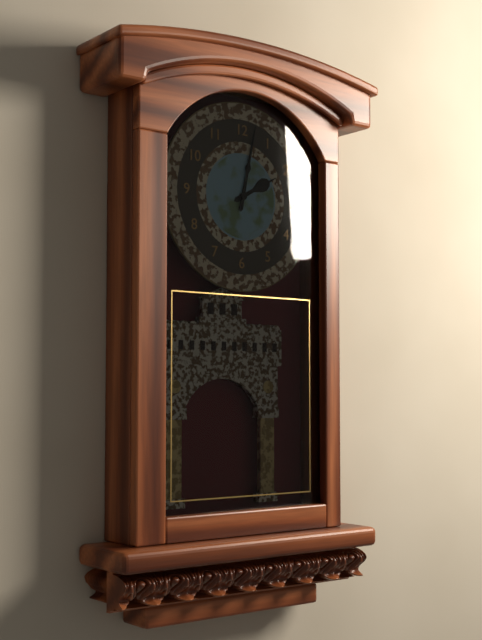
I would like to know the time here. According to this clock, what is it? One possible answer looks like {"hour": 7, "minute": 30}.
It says {"hour": 2, "minute": 2}
